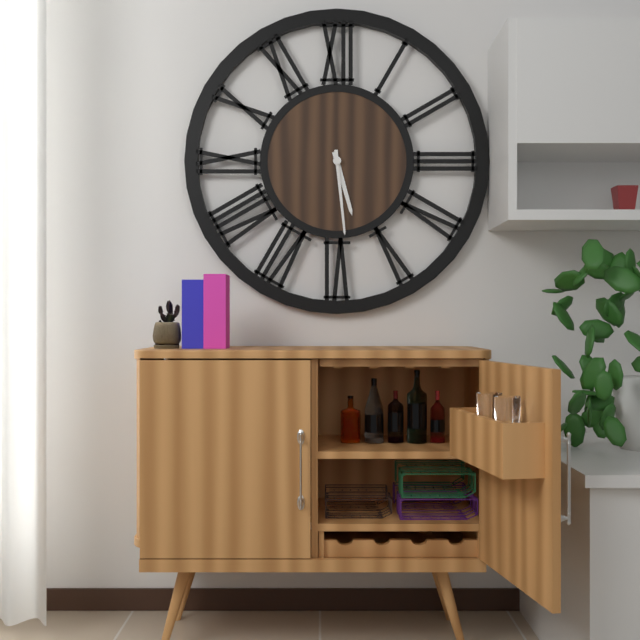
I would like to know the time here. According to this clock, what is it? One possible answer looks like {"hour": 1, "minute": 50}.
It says {"hour": 5, "minute": 29}
